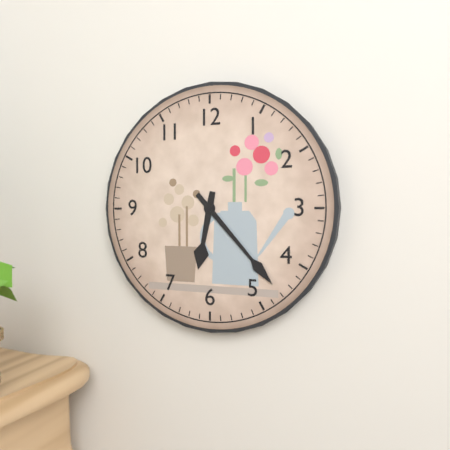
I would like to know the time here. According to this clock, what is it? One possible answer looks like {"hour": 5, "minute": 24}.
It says {"hour": 6, "minute": 23}
